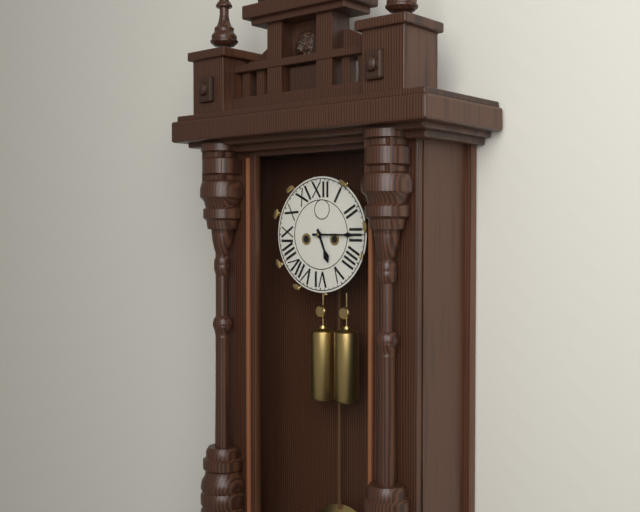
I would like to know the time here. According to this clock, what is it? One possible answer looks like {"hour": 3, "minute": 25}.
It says {"hour": 5, "minute": 15}
